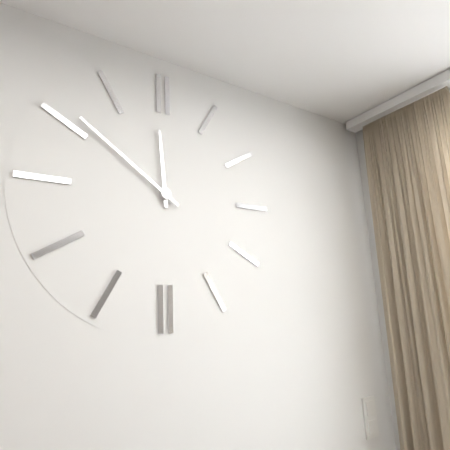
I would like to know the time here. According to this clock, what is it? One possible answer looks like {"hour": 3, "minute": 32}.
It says {"hour": 11, "minute": 51}
